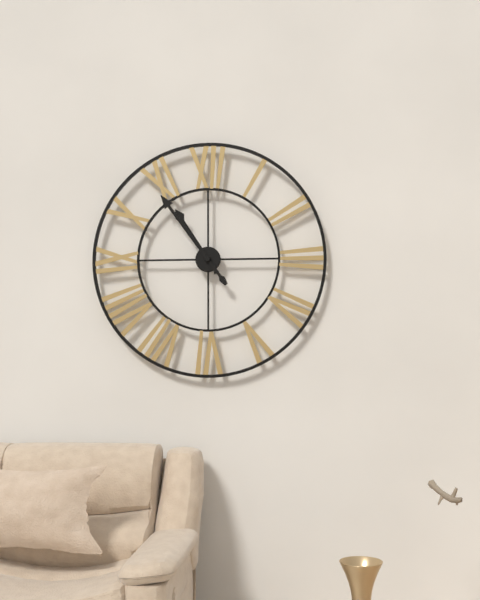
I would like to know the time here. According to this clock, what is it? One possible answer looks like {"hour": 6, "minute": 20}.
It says {"hour": 10, "minute": 54}
